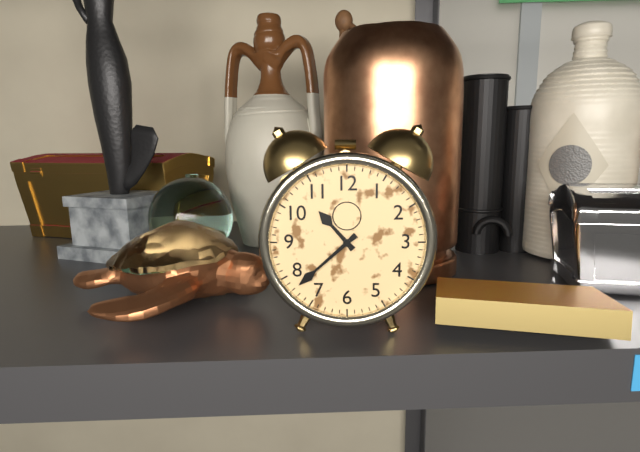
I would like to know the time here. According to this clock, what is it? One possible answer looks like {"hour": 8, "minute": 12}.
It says {"hour": 10, "minute": 38}
